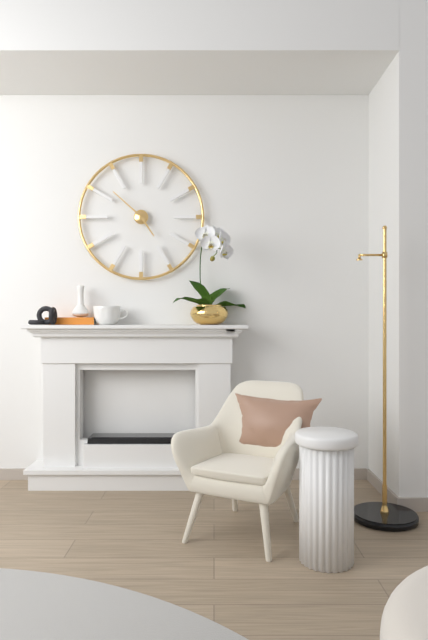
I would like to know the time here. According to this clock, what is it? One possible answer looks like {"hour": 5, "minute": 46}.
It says {"hour": 4, "minute": 52}
